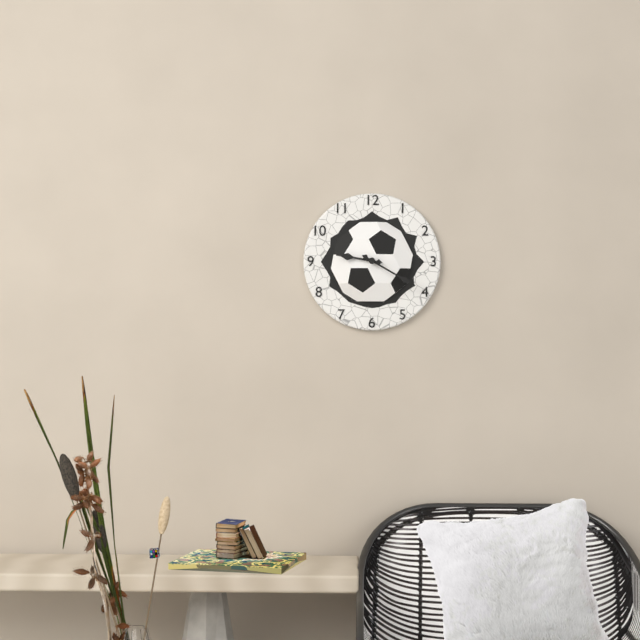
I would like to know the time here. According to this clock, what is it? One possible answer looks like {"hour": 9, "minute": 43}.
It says {"hour": 9, "minute": 20}
